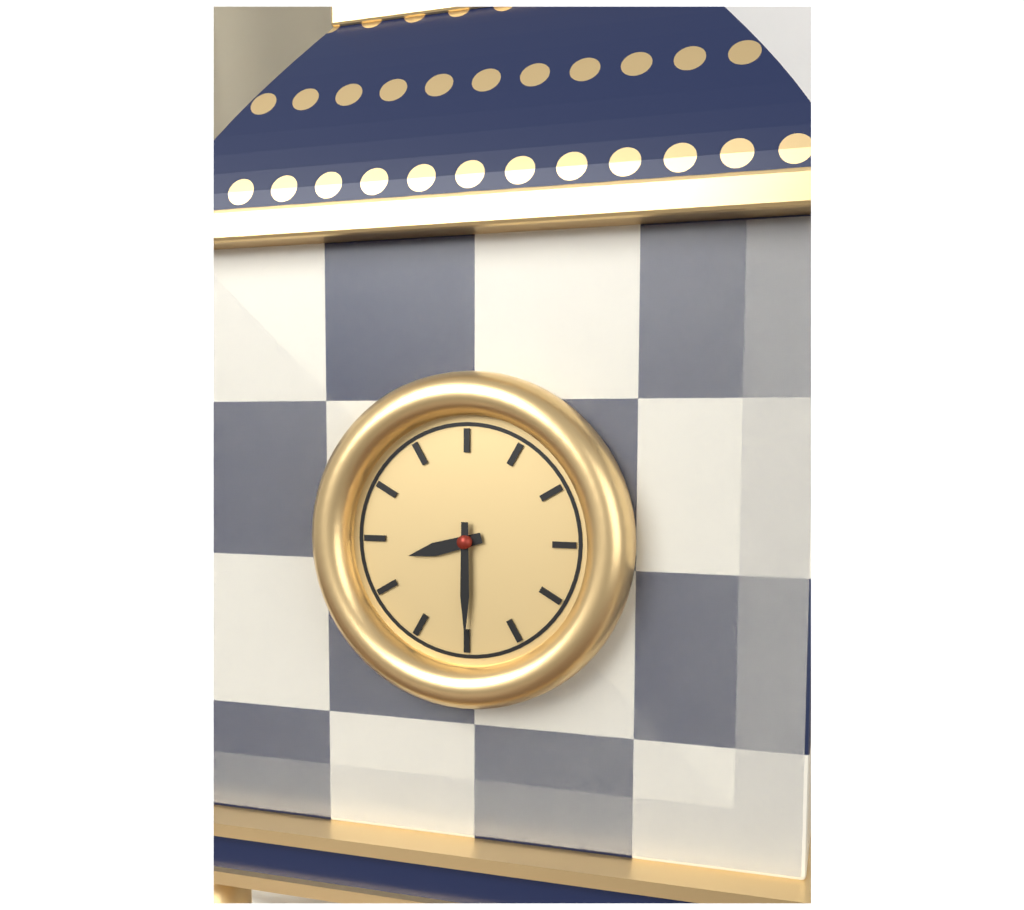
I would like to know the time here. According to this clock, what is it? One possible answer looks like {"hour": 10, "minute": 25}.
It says {"hour": 8, "minute": 30}
